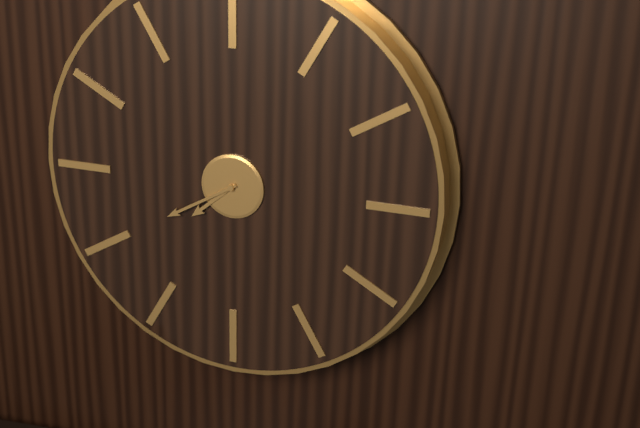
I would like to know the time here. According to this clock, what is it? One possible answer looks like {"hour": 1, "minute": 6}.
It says {"hour": 7, "minute": 40}
